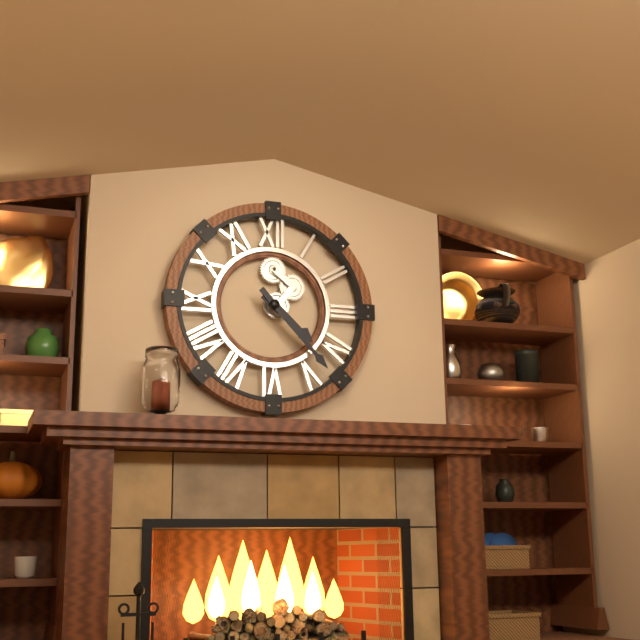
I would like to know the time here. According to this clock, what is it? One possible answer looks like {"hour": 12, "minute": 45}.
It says {"hour": 4, "minute": 23}
